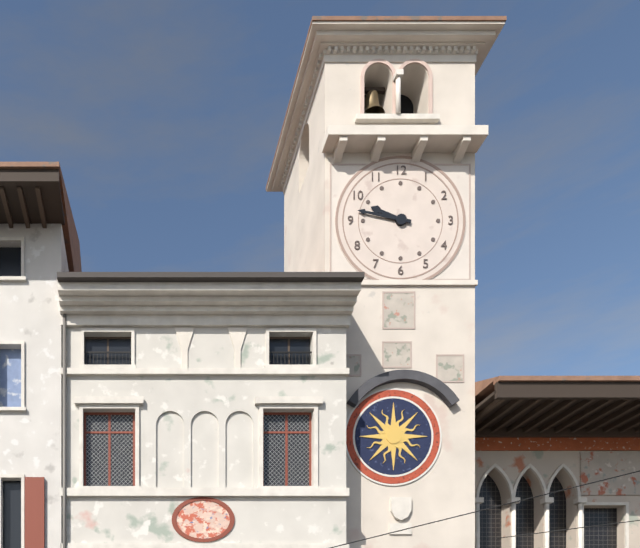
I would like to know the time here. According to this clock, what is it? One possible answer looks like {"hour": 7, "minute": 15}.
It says {"hour": 9, "minute": 47}
